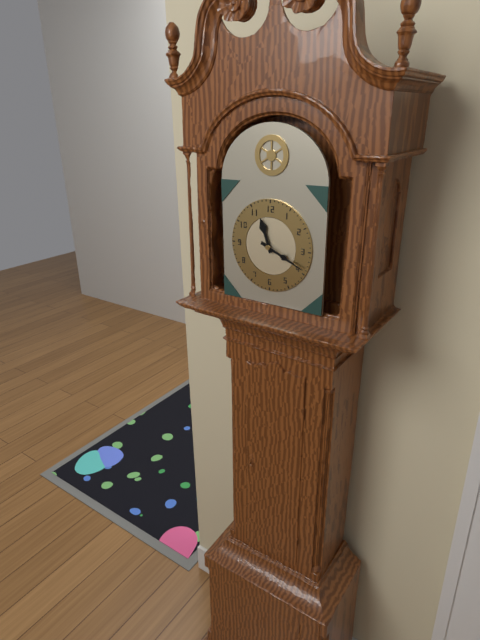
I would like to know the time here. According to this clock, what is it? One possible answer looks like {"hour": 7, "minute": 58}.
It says {"hour": 11, "minute": 19}
